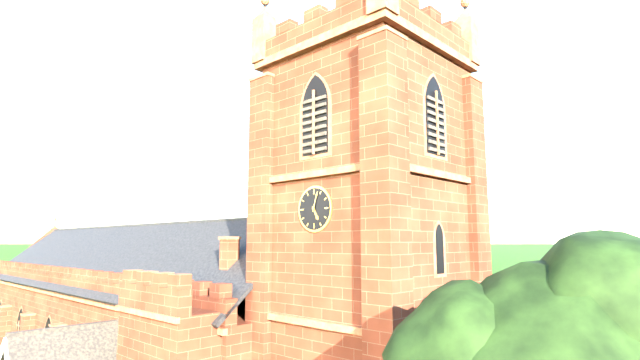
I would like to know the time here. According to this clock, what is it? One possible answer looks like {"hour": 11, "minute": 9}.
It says {"hour": 5, "minute": 3}
